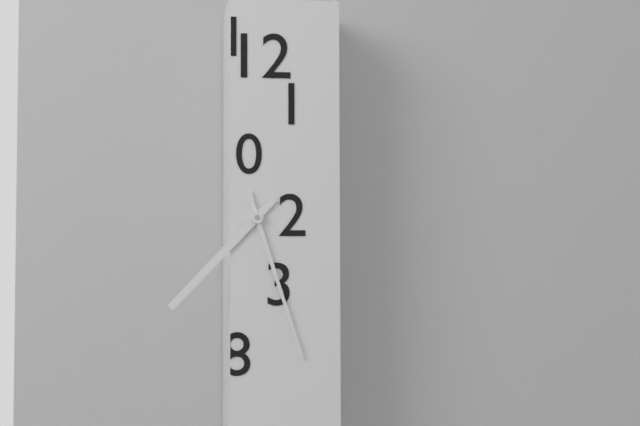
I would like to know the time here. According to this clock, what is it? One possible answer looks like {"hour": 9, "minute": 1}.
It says {"hour": 7, "minute": 27}
